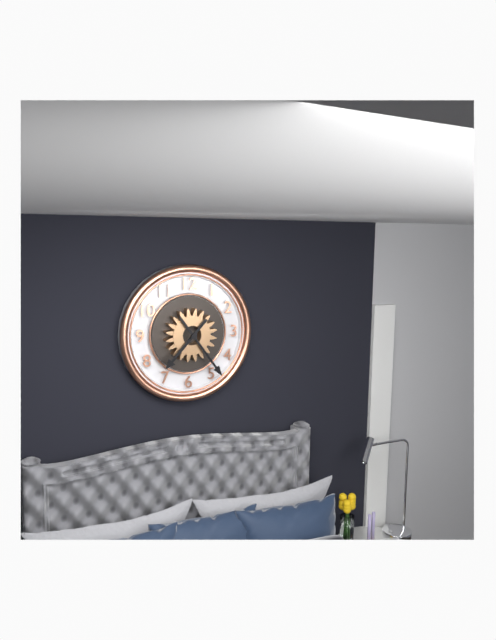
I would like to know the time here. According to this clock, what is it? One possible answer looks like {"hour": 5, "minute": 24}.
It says {"hour": 7, "minute": 24}
